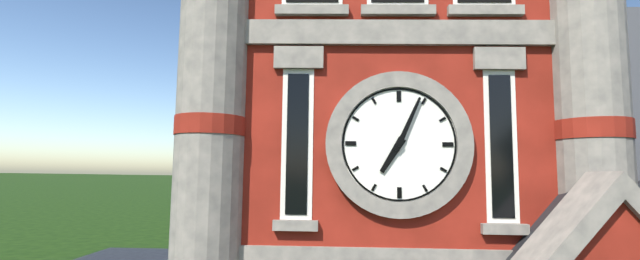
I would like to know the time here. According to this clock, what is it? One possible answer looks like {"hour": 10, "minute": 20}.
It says {"hour": 7, "minute": 4}
